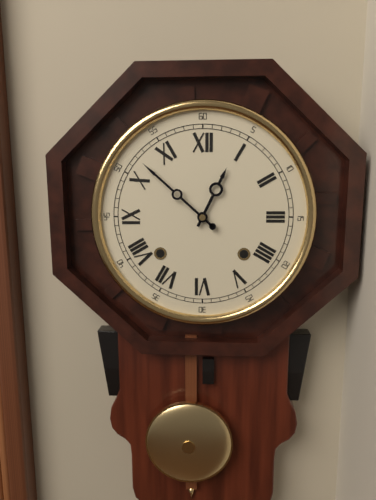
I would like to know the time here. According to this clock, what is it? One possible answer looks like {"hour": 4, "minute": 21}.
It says {"hour": 12, "minute": 52}
